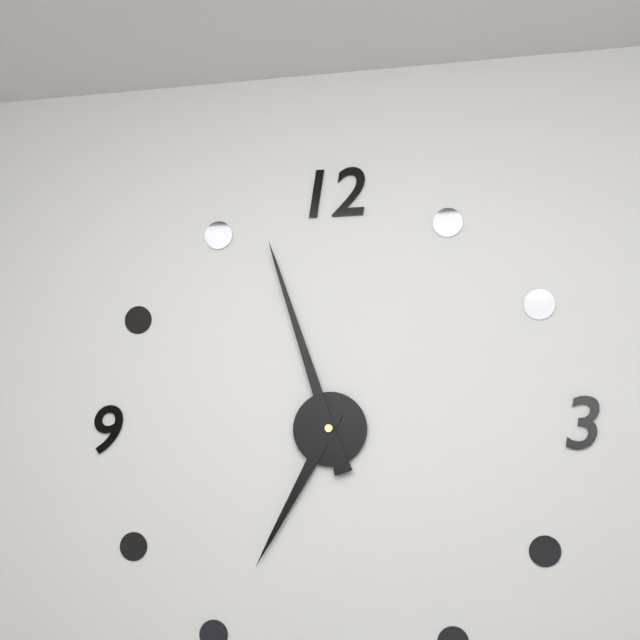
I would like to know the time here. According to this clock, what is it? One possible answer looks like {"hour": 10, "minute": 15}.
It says {"hour": 6, "minute": 57}
